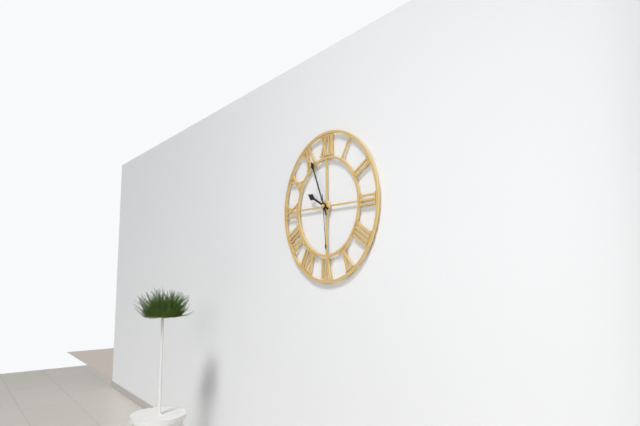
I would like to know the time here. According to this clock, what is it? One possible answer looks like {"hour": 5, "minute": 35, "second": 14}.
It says {"hour": 9, "minute": 56, "second": 29}
